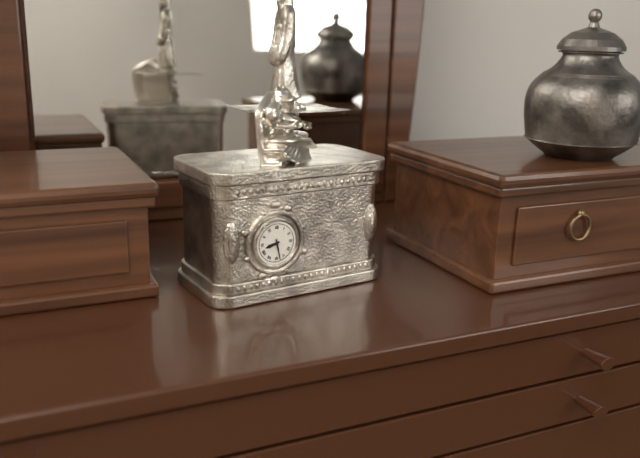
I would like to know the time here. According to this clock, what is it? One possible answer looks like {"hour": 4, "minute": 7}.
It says {"hour": 8, "minute": 28}
